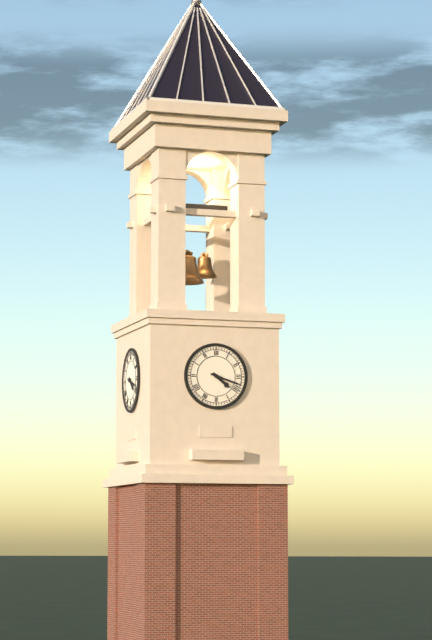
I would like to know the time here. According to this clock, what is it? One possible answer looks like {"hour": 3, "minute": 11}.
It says {"hour": 4, "minute": 18}
